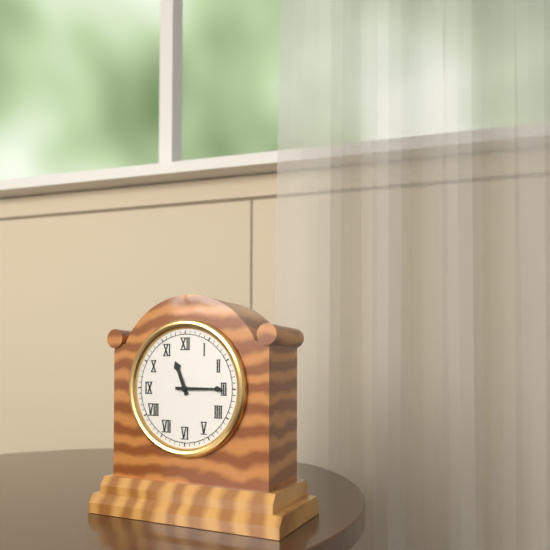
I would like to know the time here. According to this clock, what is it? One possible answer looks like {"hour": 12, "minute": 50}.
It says {"hour": 11, "minute": 15}
